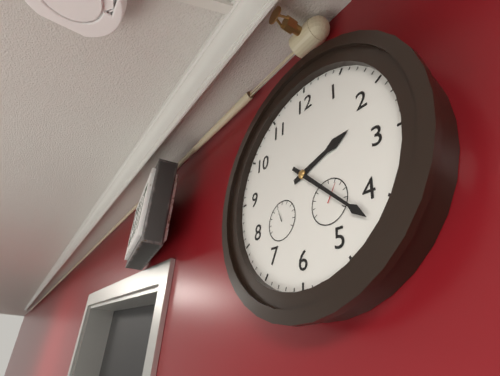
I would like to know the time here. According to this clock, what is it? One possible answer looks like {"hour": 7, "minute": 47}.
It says {"hour": 2, "minute": 22}
